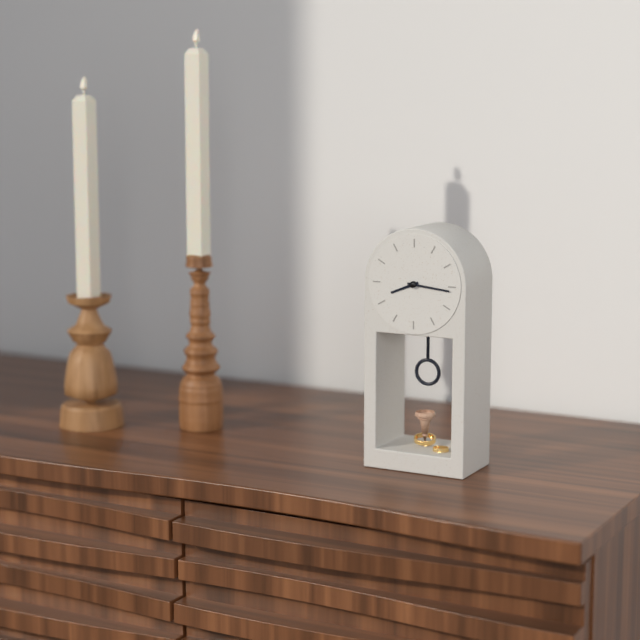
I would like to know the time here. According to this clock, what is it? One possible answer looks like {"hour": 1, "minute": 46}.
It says {"hour": 8, "minute": 16}
